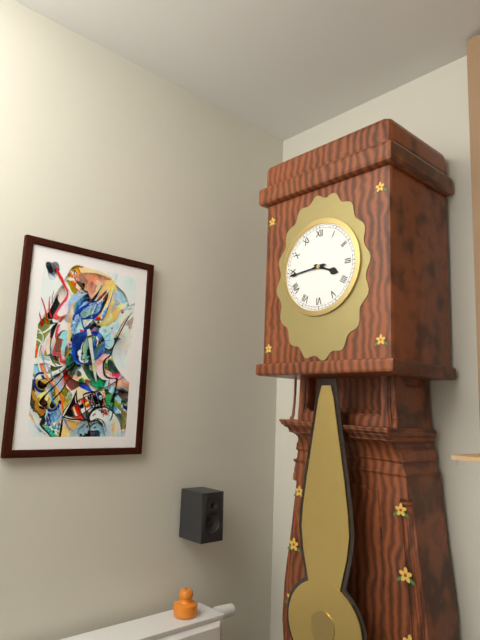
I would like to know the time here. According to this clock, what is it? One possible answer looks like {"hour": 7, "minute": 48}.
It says {"hour": 3, "minute": 44}
